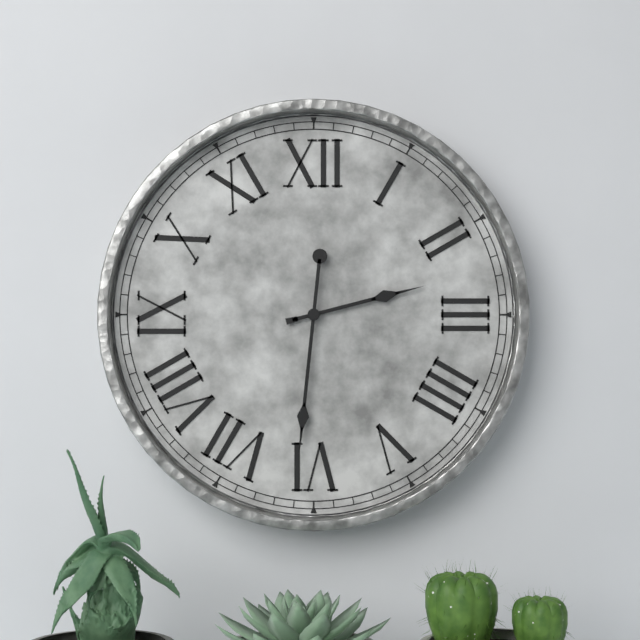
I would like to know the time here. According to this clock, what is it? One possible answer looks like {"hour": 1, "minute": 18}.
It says {"hour": 2, "minute": 31}
